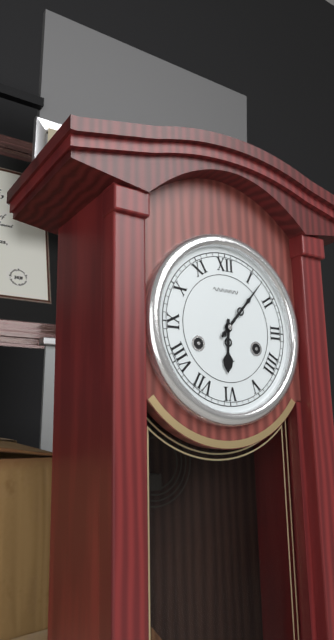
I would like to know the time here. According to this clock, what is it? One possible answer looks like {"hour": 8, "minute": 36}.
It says {"hour": 6, "minute": 7}
